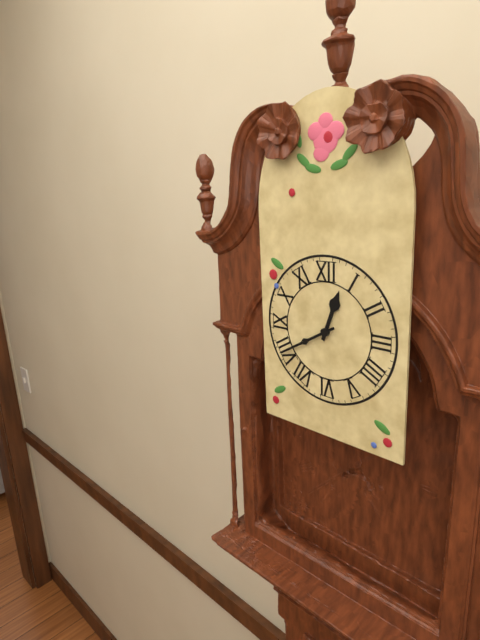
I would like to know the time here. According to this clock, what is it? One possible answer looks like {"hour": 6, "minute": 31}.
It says {"hour": 12, "minute": 40}
